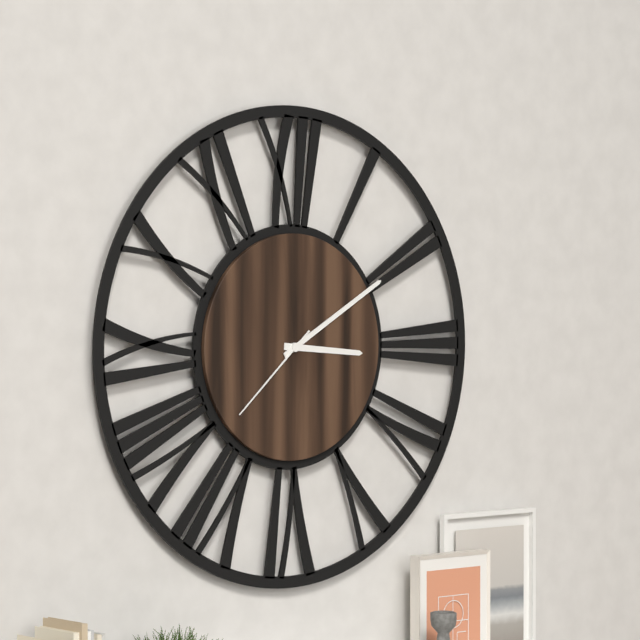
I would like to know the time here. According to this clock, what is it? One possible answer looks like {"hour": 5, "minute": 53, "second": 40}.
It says {"hour": 3, "minute": 10, "second": 38}
